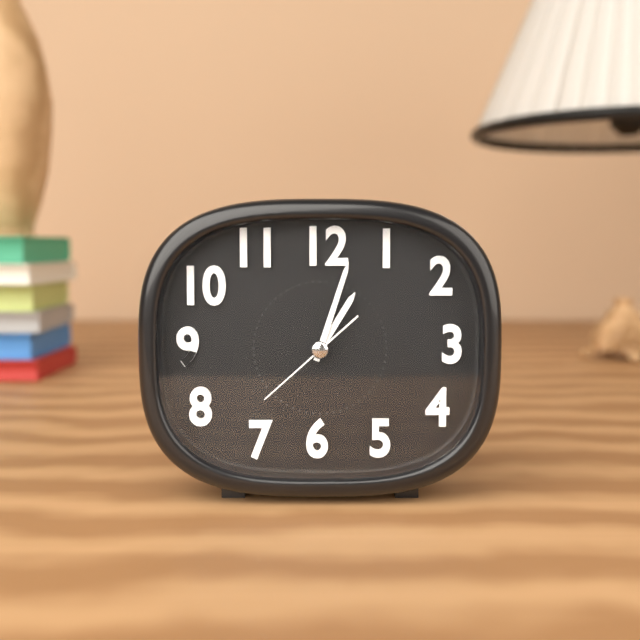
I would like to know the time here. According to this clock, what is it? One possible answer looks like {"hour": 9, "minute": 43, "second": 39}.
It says {"hour": 1, "minute": 3, "second": 38}
